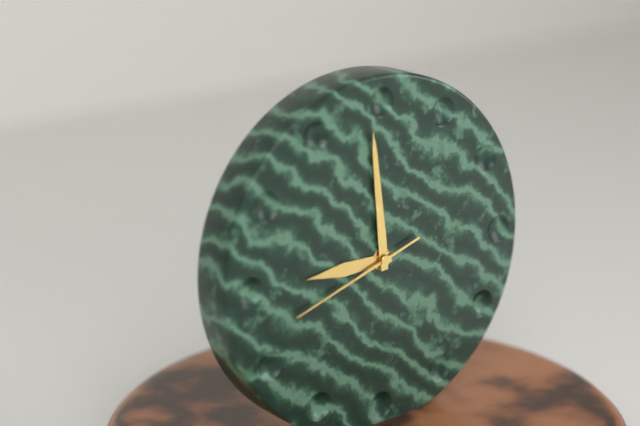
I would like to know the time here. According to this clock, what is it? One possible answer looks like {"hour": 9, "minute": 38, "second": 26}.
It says {"hour": 8, "minute": 59, "second": 42}
